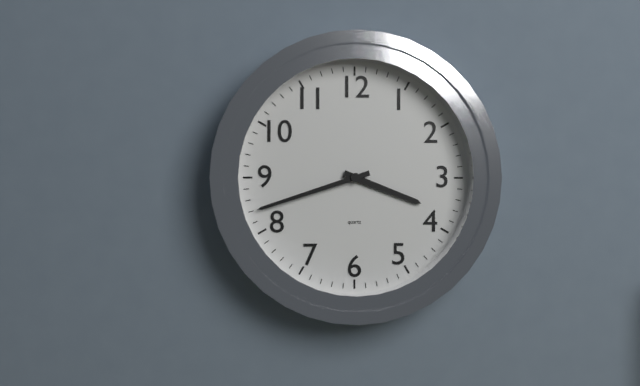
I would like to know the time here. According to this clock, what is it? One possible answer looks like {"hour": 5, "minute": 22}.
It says {"hour": 3, "minute": 42}
